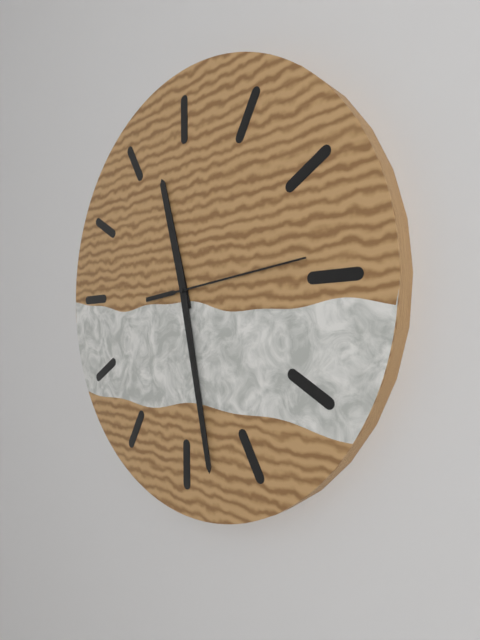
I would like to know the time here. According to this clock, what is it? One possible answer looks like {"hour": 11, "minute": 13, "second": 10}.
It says {"hour": 11, "minute": 28, "second": 14}
